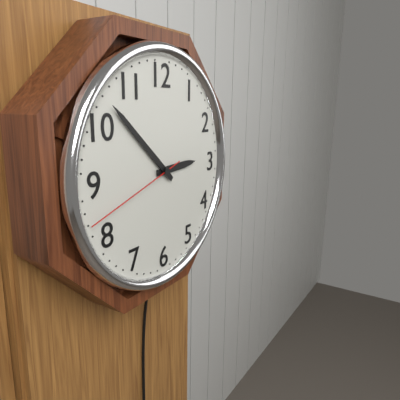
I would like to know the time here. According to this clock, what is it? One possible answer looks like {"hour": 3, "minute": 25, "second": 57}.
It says {"hour": 2, "minute": 52, "second": 42}
